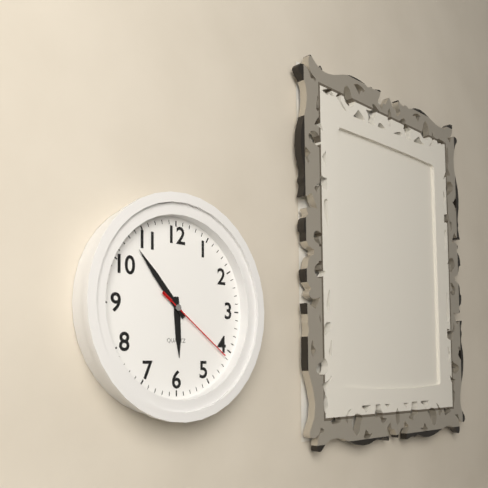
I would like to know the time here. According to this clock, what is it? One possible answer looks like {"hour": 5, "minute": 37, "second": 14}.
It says {"hour": 5, "minute": 53, "second": 21}
